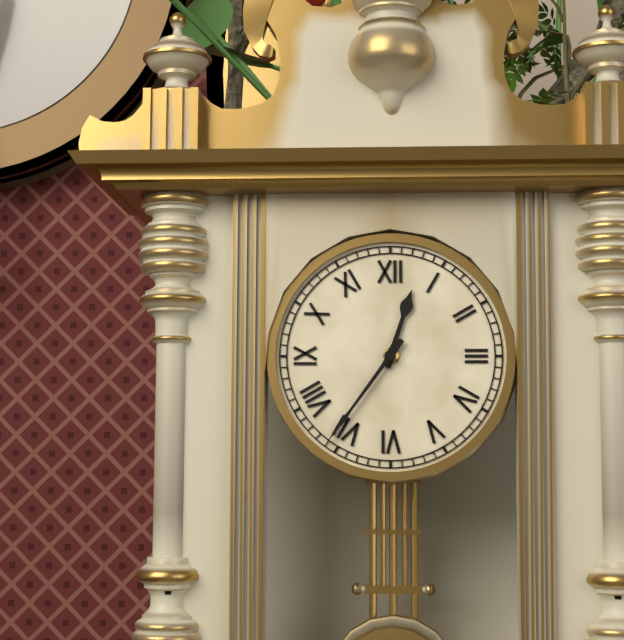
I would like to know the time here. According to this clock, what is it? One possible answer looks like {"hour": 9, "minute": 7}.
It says {"hour": 12, "minute": 36}
